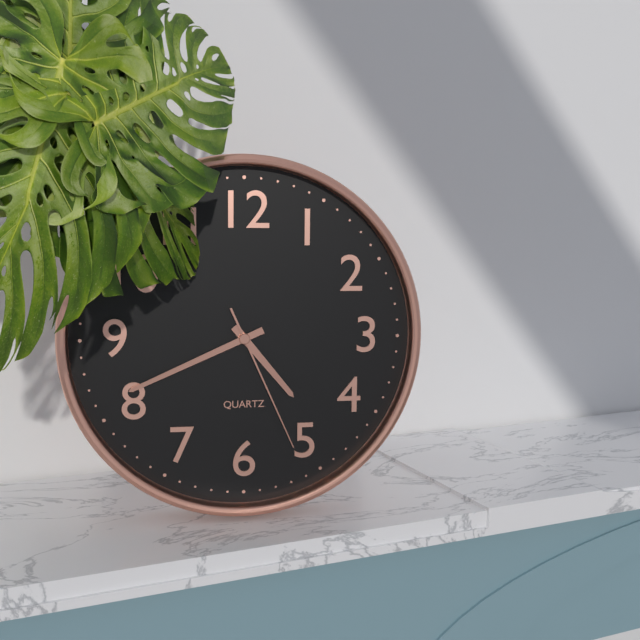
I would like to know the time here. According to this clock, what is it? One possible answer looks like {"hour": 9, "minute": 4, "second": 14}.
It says {"hour": 4, "minute": 41, "second": 26}
